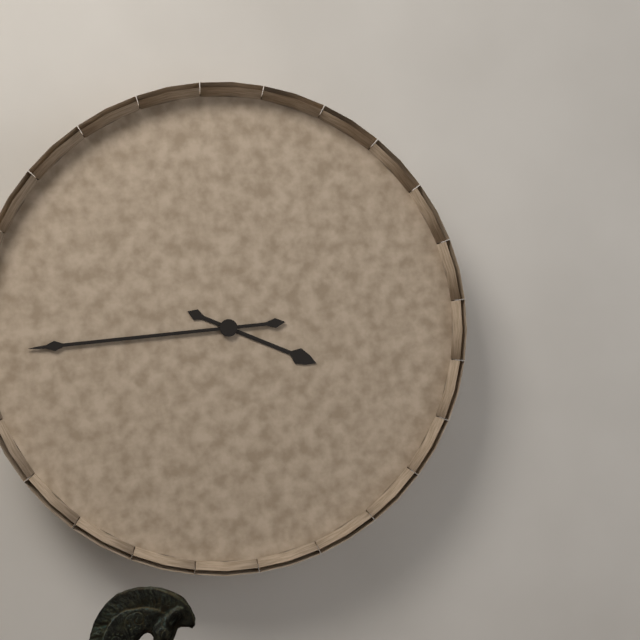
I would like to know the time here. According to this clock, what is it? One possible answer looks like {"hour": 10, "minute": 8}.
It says {"hour": 3, "minute": 44}
